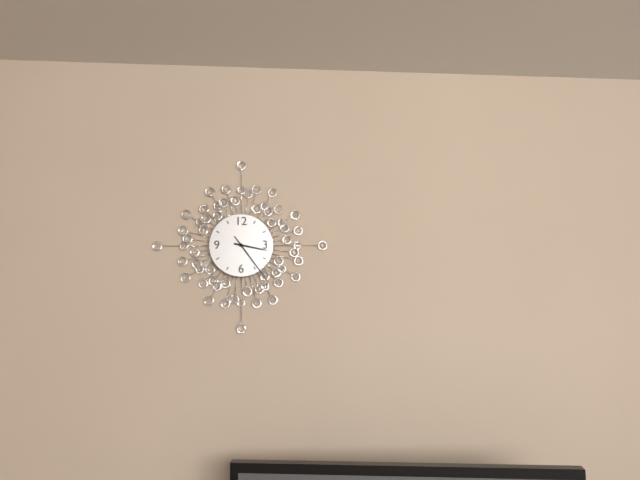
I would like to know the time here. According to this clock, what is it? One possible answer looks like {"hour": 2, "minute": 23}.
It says {"hour": 3, "minute": 24}
